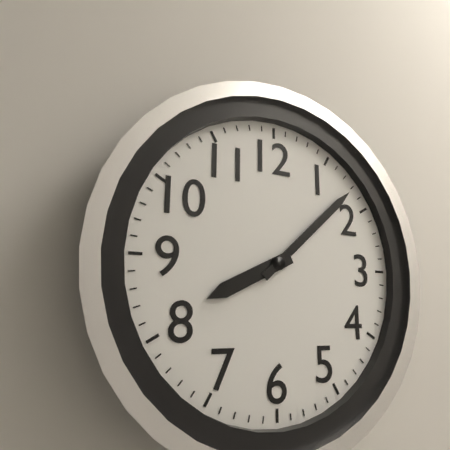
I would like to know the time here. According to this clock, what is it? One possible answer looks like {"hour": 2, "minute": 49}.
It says {"hour": 8, "minute": 8}
